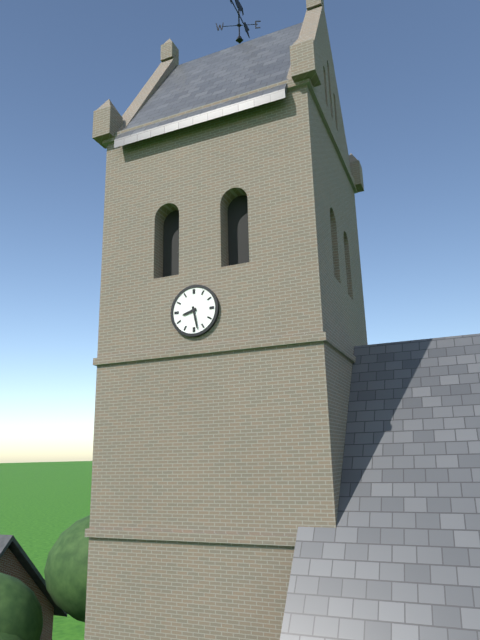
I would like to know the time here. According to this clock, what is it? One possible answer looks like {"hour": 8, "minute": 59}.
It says {"hour": 8, "minute": 28}
